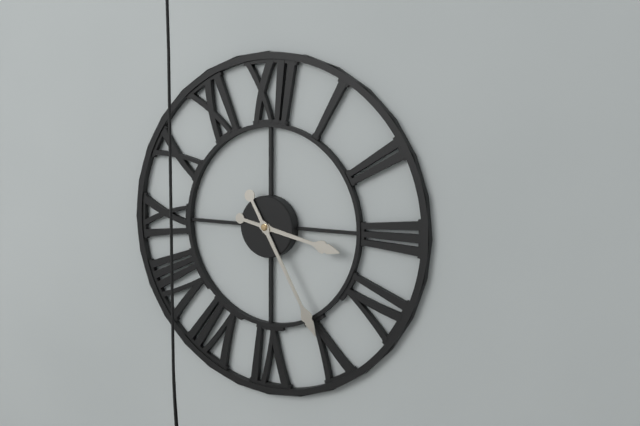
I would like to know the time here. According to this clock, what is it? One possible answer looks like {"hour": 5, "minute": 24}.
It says {"hour": 3, "minute": 25}
